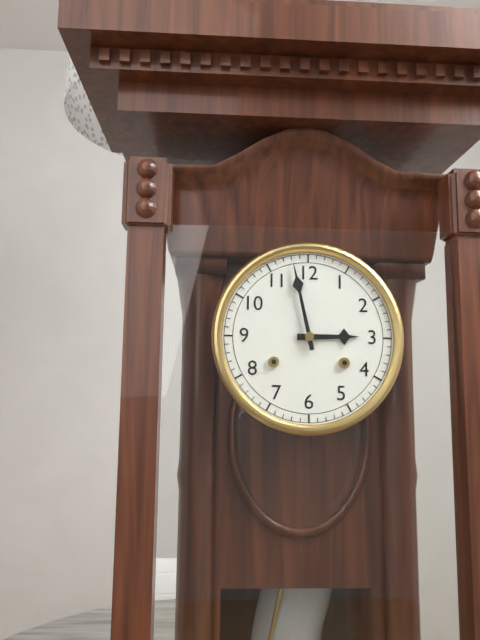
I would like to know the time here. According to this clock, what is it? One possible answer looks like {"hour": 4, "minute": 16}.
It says {"hour": 2, "minute": 58}
